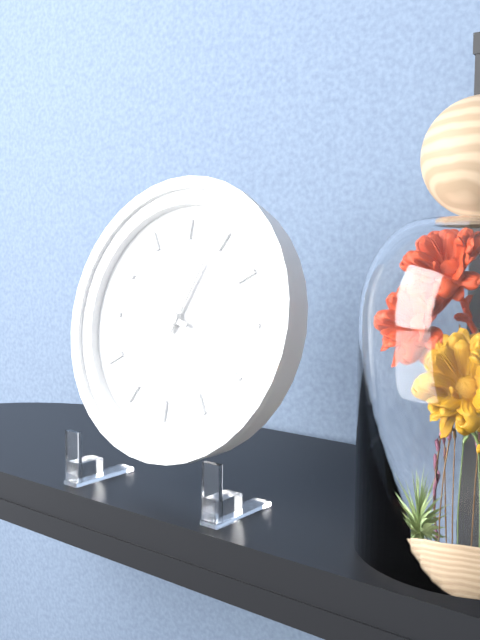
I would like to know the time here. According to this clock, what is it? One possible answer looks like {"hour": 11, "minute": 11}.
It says {"hour": 12, "minute": 48}
